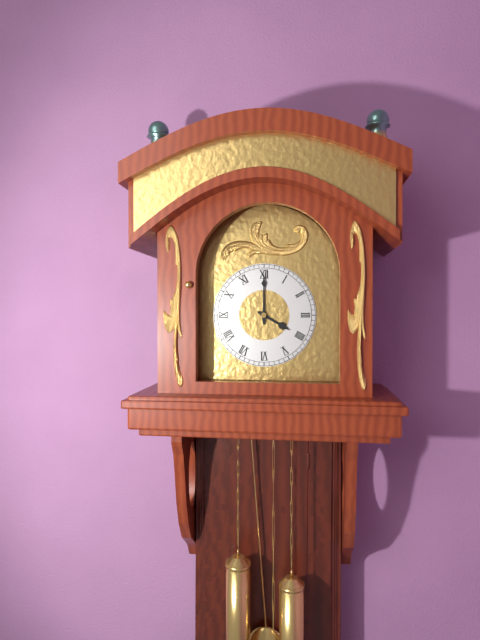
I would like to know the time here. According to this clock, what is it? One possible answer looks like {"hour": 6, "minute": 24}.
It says {"hour": 4, "minute": 0}
